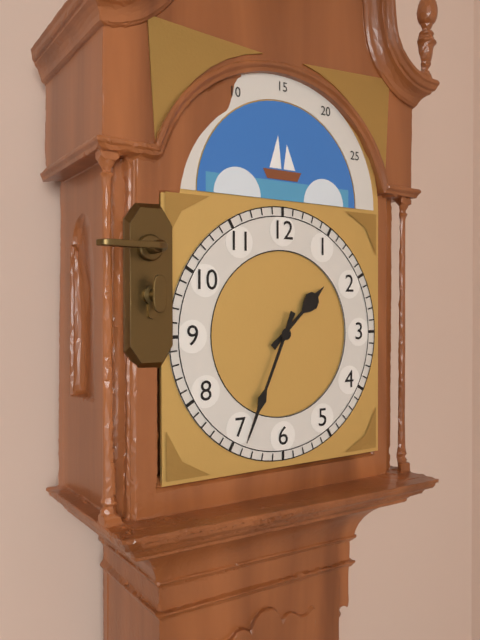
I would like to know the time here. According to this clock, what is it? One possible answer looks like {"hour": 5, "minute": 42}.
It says {"hour": 1, "minute": 34}
